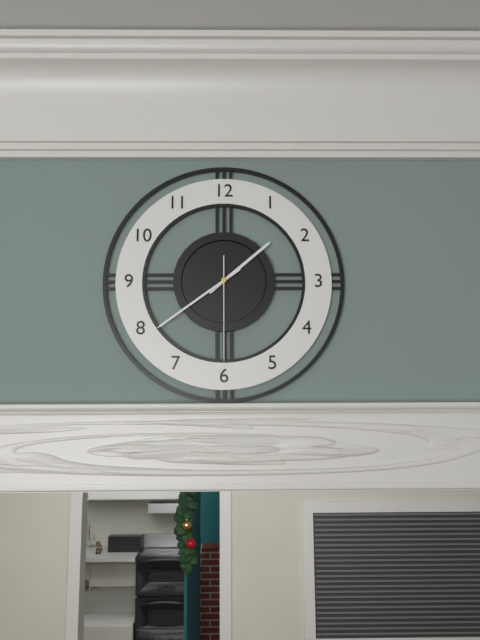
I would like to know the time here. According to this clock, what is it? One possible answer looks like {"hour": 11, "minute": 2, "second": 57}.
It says {"hour": 1, "minute": 39, "second": 30}
